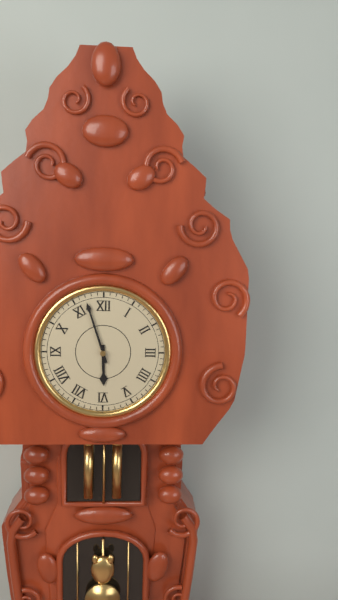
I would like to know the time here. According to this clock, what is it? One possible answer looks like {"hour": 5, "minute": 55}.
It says {"hour": 5, "minute": 57}
